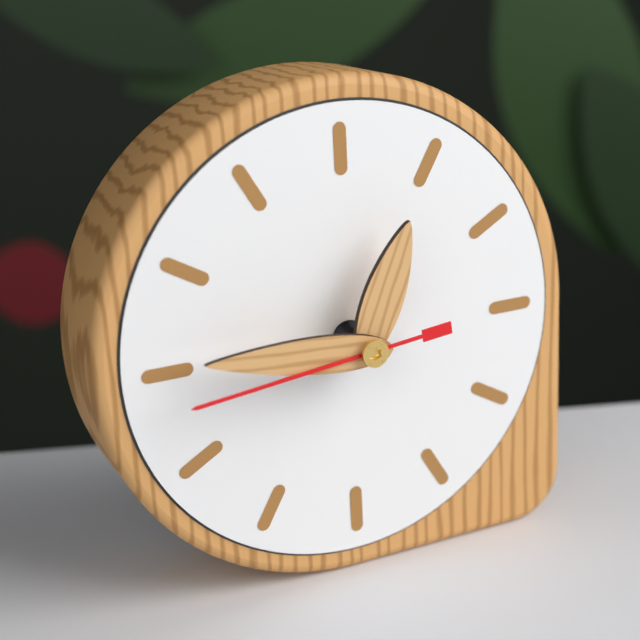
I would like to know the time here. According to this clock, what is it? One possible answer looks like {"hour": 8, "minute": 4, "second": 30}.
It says {"hour": 12, "minute": 46, "second": 44}
